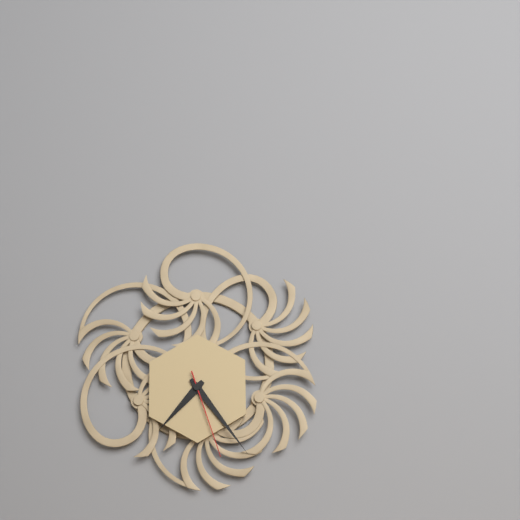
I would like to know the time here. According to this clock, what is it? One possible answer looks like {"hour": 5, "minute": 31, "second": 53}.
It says {"hour": 7, "minute": 24, "second": 27}
